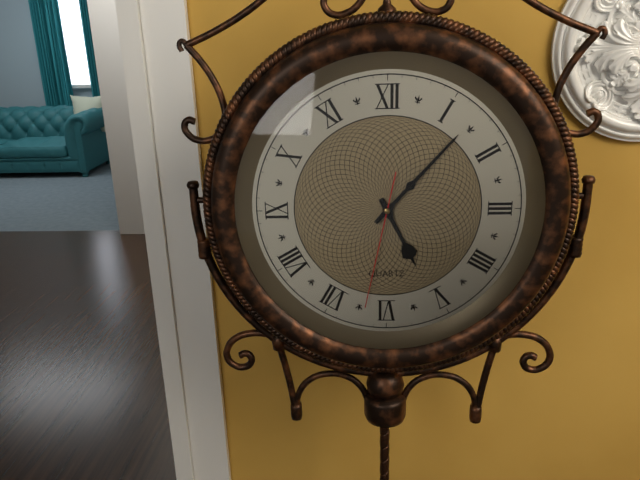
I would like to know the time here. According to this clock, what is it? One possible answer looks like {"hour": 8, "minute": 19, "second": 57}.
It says {"hour": 5, "minute": 7, "second": 32}
